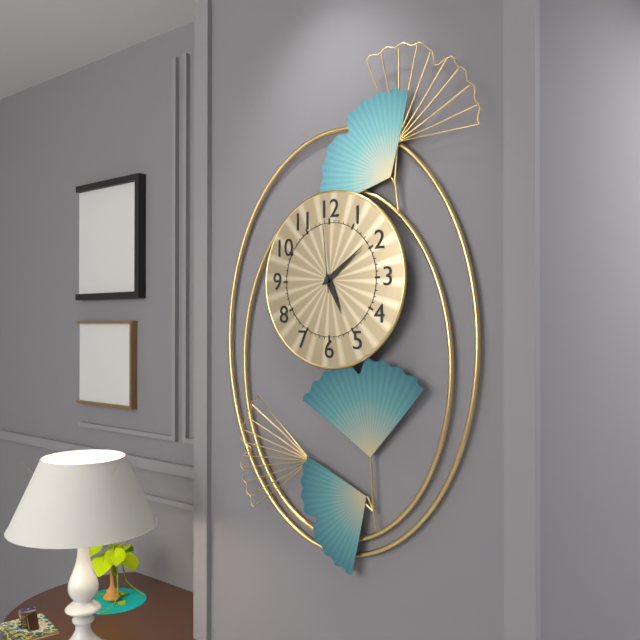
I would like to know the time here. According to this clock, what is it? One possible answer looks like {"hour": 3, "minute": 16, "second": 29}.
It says {"hour": 5, "minute": 9, "second": 59}
